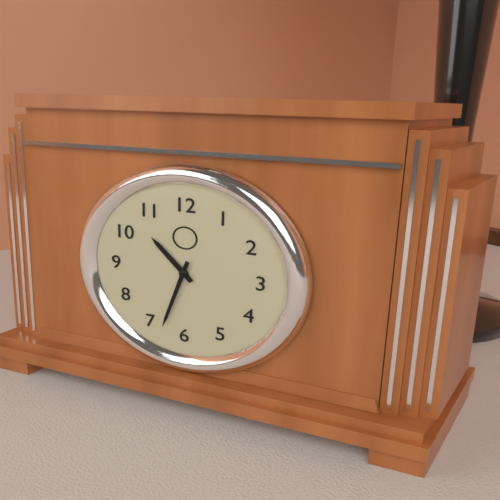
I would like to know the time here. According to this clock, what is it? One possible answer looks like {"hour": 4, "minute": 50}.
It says {"hour": 10, "minute": 33}
